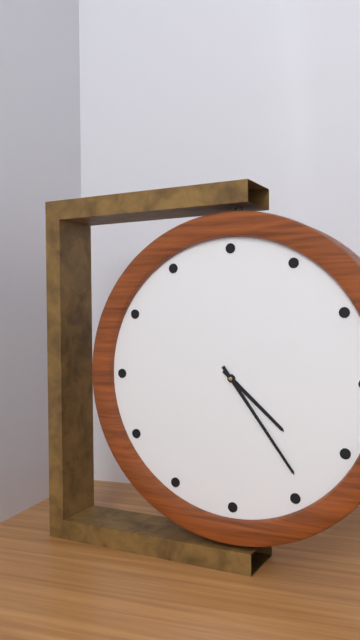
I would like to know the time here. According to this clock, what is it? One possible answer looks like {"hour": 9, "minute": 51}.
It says {"hour": 4, "minute": 24}
